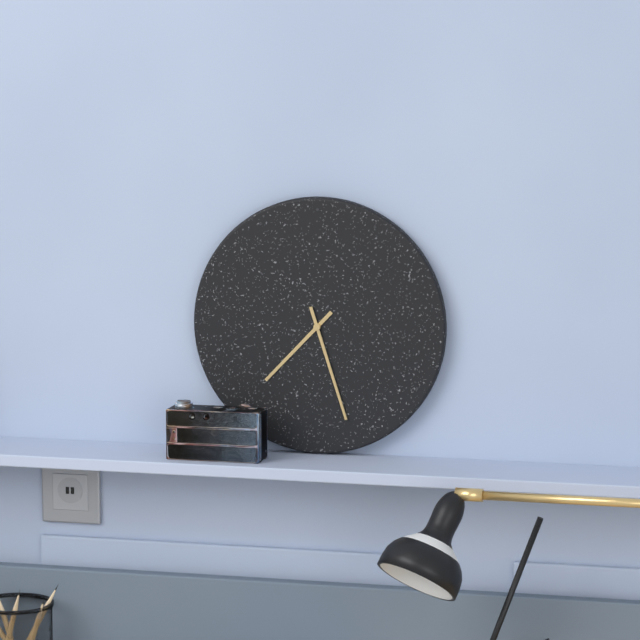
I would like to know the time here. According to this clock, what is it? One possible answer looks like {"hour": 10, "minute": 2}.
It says {"hour": 7, "minute": 27}
